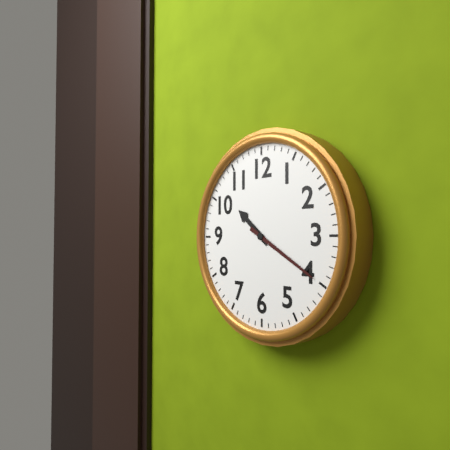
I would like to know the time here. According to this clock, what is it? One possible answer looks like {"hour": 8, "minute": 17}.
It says {"hour": 10, "minute": 20}
